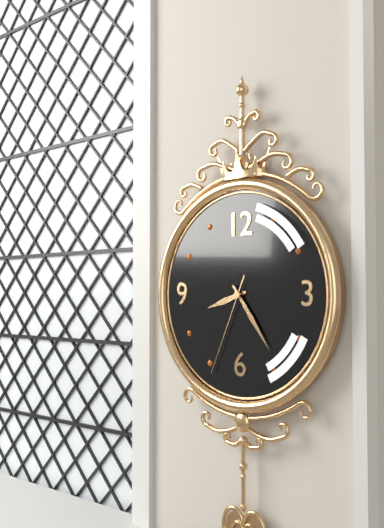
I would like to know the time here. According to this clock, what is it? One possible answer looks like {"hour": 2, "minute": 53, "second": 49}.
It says {"hour": 8, "minute": 24, "second": 34}
